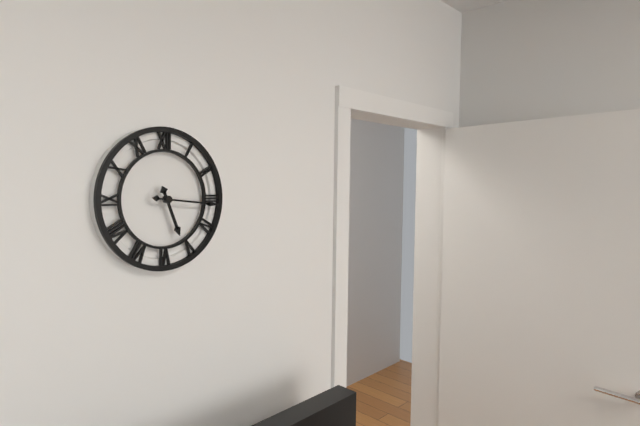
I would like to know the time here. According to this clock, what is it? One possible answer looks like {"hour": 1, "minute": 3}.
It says {"hour": 5, "minute": 16}
